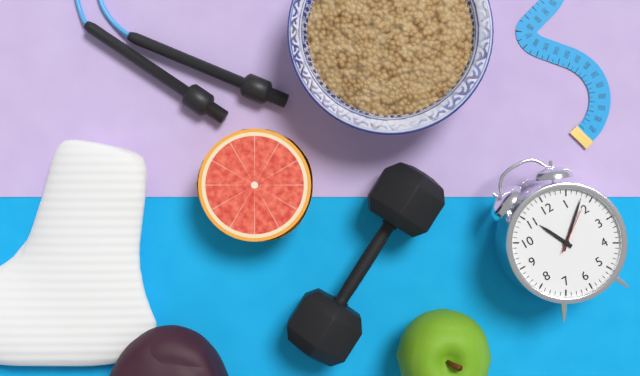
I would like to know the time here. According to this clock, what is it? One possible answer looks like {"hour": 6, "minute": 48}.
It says {"hour": 11, "minute": 8}
